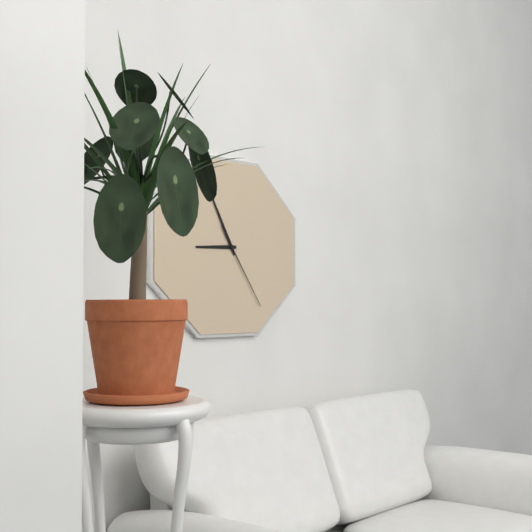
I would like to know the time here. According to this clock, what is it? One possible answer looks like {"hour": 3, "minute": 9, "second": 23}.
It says {"hour": 8, "minute": 55, "second": 24}
